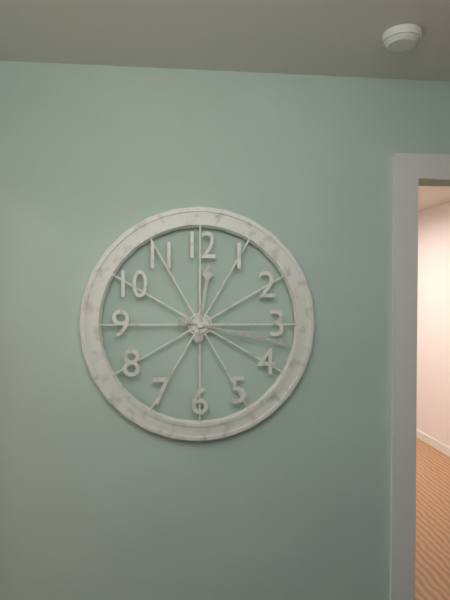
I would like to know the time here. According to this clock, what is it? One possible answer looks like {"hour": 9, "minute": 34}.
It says {"hour": 12, "minute": 17}
